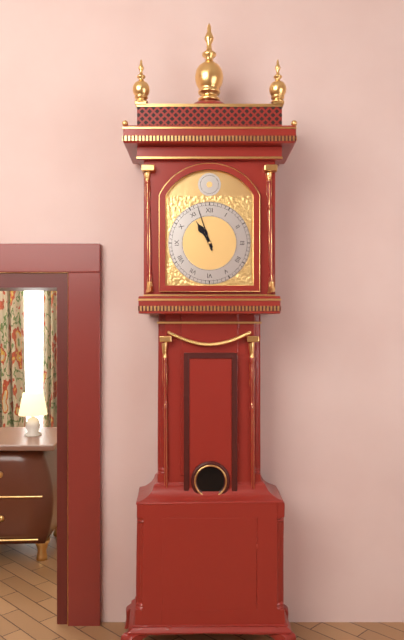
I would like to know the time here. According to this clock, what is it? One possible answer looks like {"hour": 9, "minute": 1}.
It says {"hour": 10, "minute": 57}
